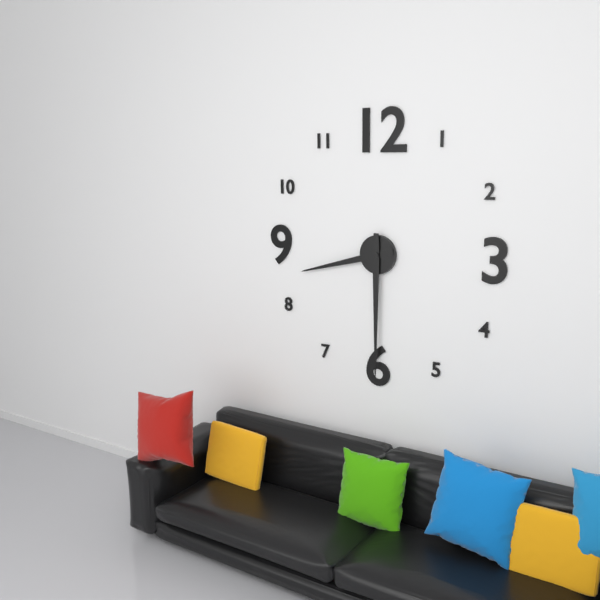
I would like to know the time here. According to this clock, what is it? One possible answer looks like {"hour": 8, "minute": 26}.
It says {"hour": 8, "minute": 30}
